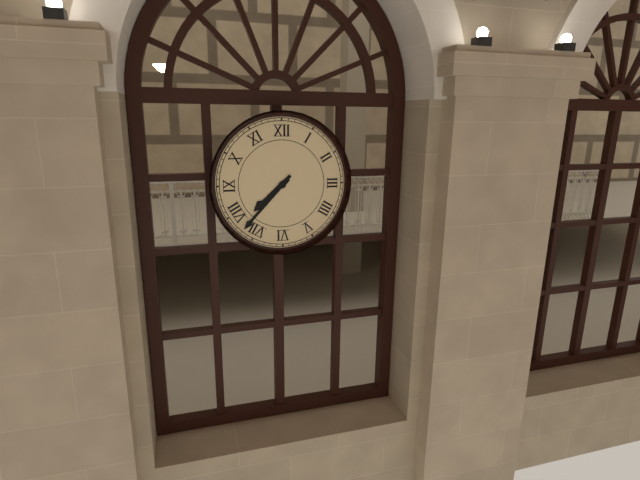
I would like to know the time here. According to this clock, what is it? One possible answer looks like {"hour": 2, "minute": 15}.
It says {"hour": 7, "minute": 37}
